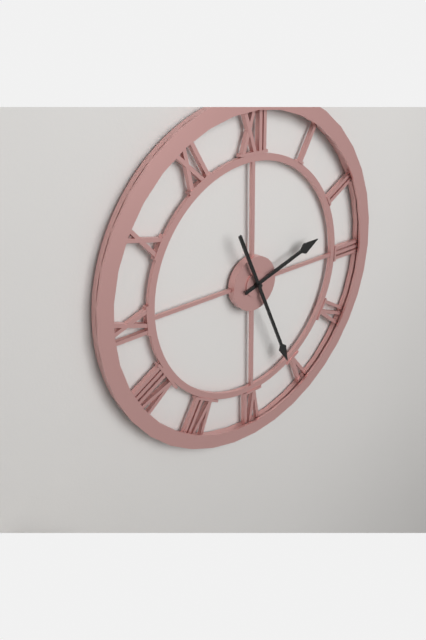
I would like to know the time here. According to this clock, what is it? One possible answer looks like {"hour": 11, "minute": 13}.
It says {"hour": 2, "minute": 26}
